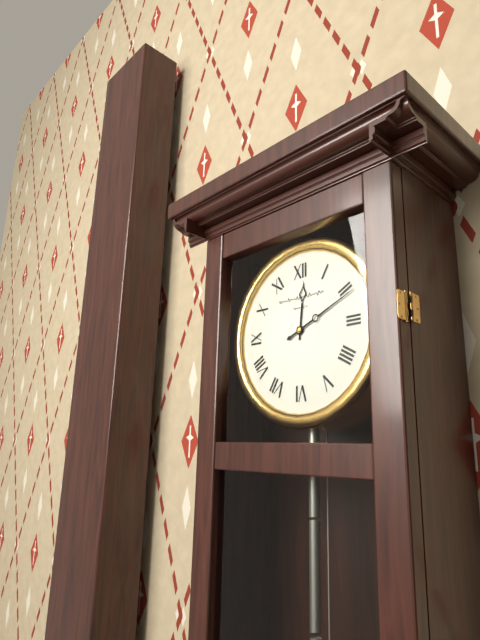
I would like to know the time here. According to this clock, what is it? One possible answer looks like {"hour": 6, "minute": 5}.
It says {"hour": 12, "minute": 11}
